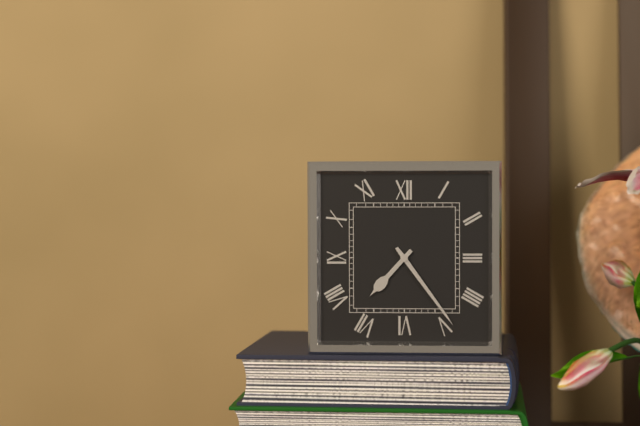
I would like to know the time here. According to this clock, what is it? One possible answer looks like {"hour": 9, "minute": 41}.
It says {"hour": 7, "minute": 24}
